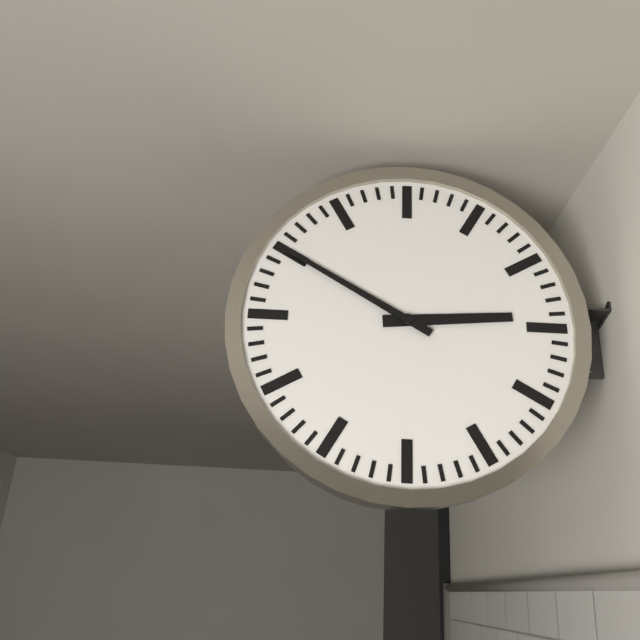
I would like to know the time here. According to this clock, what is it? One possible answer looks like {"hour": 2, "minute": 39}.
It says {"hour": 2, "minute": 50}
